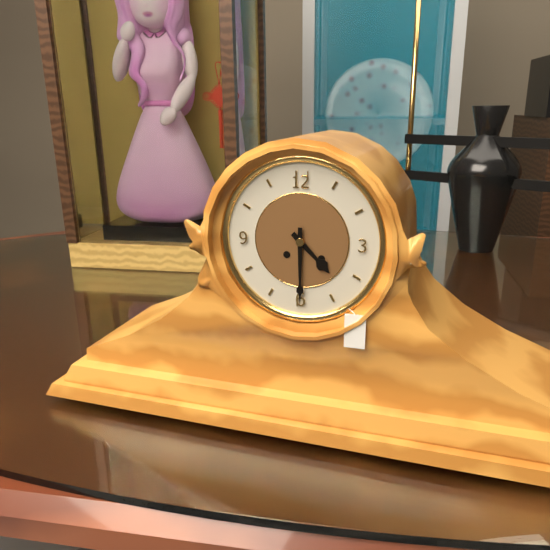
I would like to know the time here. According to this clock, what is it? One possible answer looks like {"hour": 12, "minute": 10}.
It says {"hour": 4, "minute": 30}
